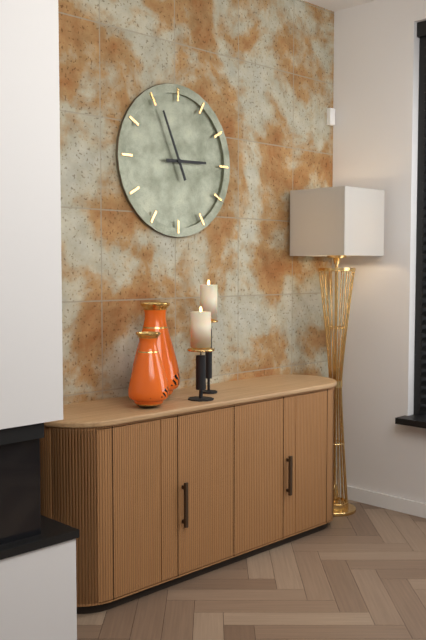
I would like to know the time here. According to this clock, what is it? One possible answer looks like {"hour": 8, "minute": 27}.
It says {"hour": 2, "minute": 56}
